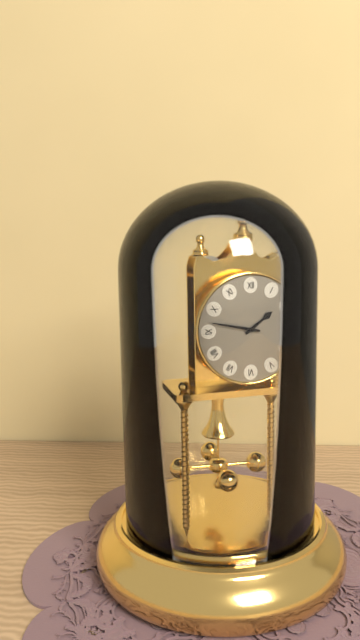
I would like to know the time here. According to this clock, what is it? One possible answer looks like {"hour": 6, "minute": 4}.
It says {"hour": 1, "minute": 47}
